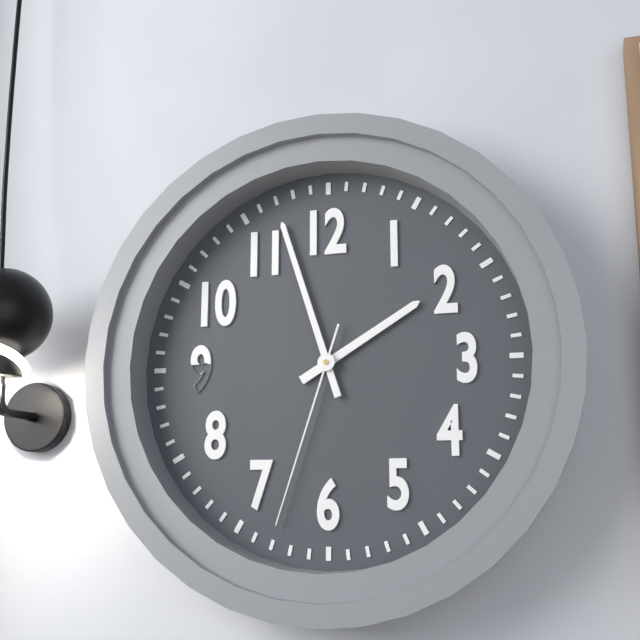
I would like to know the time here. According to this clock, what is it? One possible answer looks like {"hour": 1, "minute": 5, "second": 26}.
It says {"hour": 1, "minute": 57, "second": 33}
